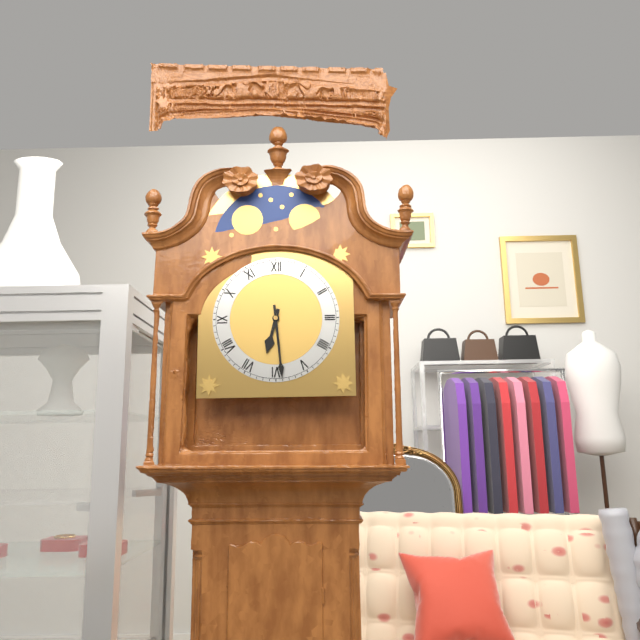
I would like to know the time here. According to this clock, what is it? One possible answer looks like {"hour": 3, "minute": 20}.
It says {"hour": 6, "minute": 29}
